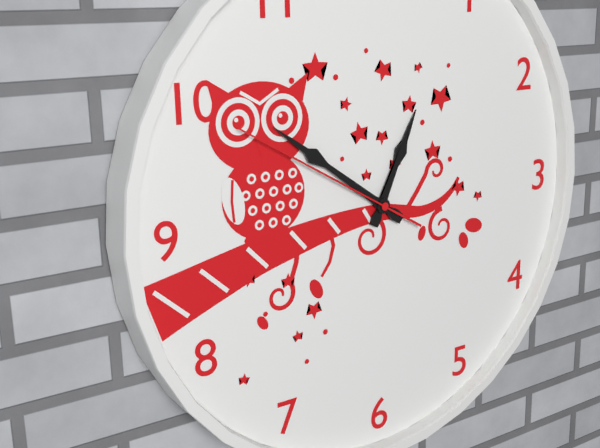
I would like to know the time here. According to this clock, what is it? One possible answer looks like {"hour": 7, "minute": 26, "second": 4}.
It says {"hour": 12, "minute": 51, "second": 50}
